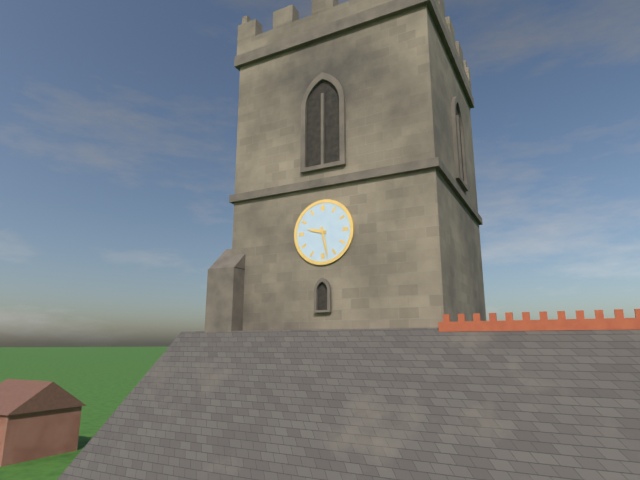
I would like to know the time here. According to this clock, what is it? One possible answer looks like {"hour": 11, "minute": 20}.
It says {"hour": 9, "minute": 28}
